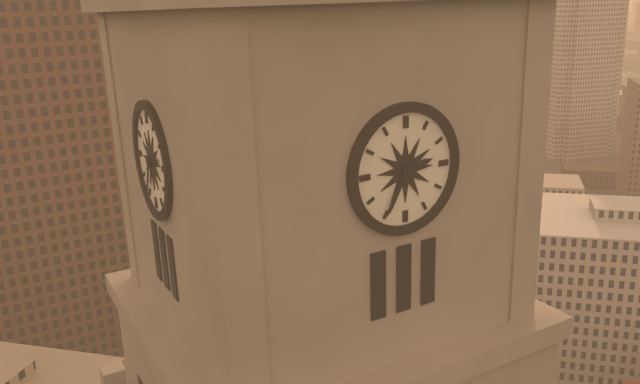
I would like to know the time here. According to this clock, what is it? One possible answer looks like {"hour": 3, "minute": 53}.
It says {"hour": 2, "minute": 35}
